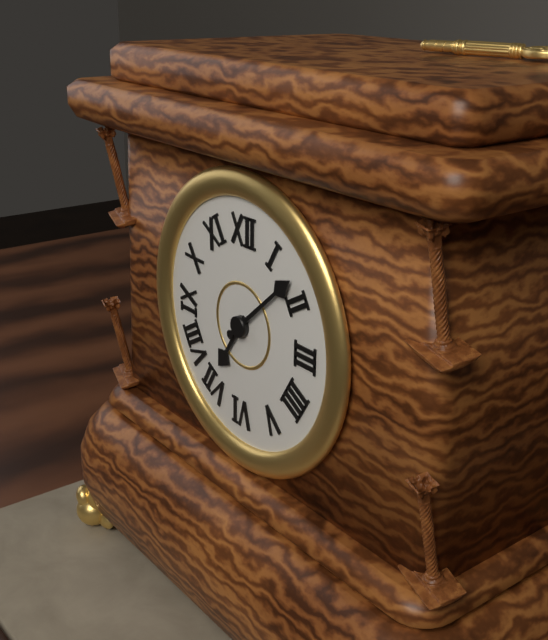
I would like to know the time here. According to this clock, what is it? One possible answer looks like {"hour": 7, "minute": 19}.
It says {"hour": 7, "minute": 8}
